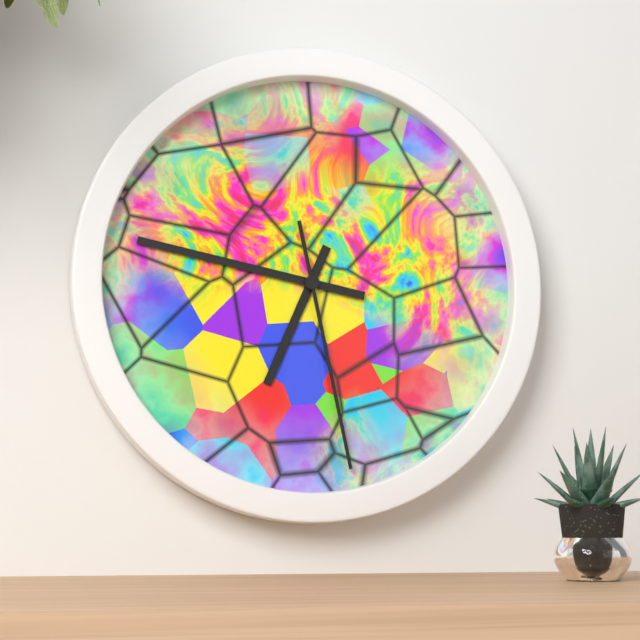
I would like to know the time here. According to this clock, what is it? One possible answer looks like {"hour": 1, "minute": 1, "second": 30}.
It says {"hour": 6, "minute": 47, "second": 28}
